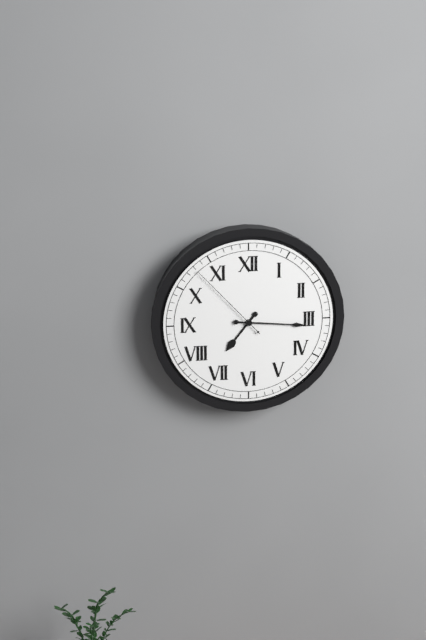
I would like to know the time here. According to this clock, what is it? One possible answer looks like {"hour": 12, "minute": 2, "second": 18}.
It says {"hour": 7, "minute": 16, "second": 53}
